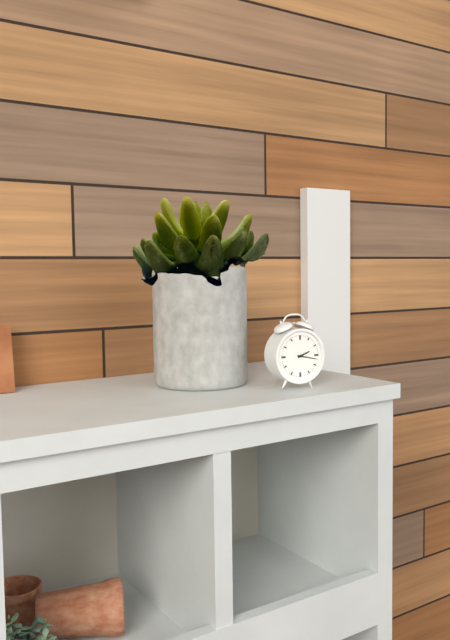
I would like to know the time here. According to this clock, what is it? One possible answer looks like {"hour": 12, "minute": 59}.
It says {"hour": 2, "minute": 17}
